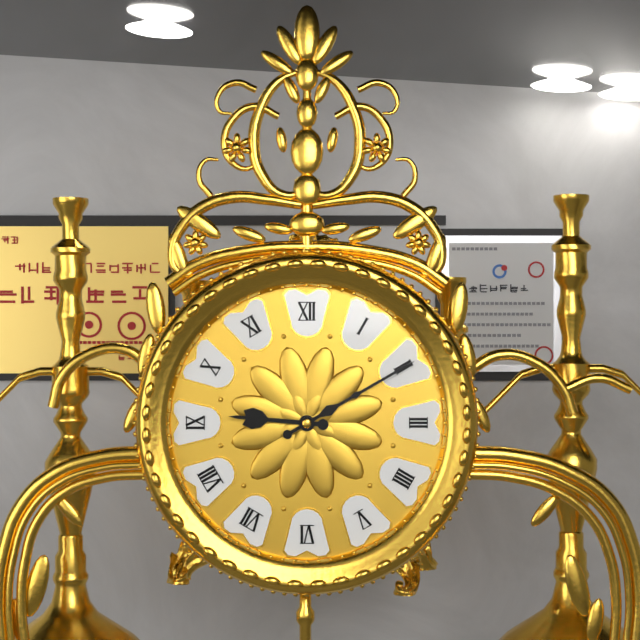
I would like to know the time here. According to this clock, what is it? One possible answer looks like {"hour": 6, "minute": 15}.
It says {"hour": 9, "minute": 10}
